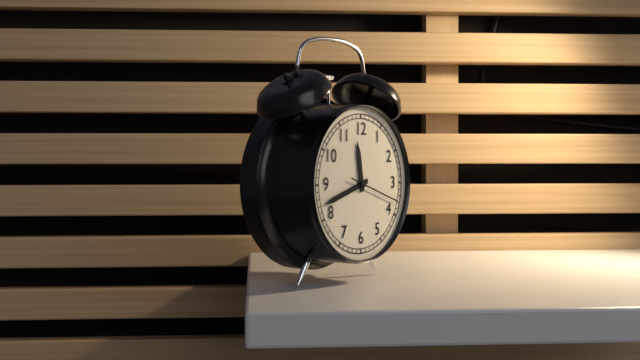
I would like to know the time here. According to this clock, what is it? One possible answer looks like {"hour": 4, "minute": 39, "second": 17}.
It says {"hour": 11, "minute": 42, "second": 18}
